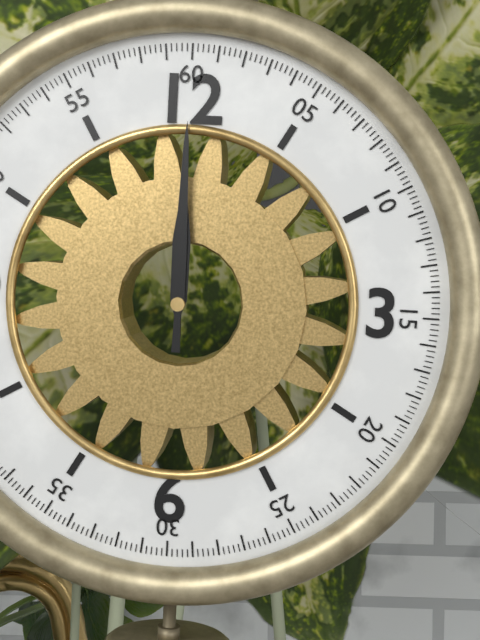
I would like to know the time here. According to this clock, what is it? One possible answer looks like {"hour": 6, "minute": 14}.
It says {"hour": 12, "minute": 0}
